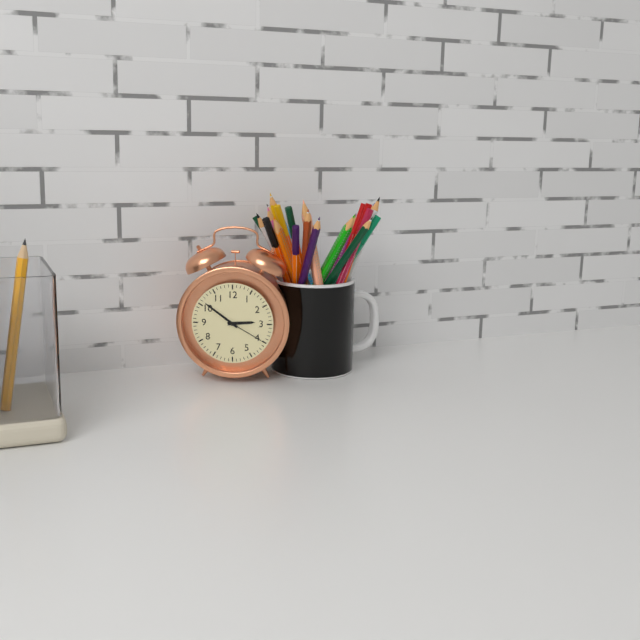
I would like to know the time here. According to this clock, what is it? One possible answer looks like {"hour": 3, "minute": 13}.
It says {"hour": 2, "minute": 51}
